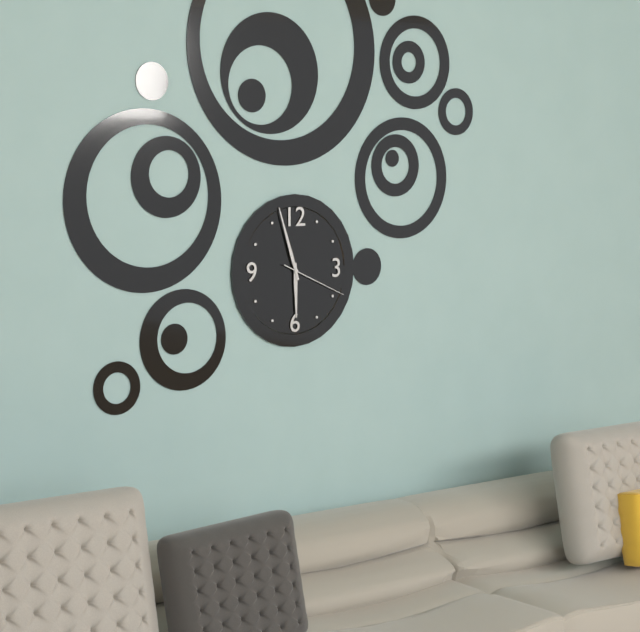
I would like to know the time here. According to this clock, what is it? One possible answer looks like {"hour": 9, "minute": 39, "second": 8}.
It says {"hour": 5, "minute": 57, "second": 19}
